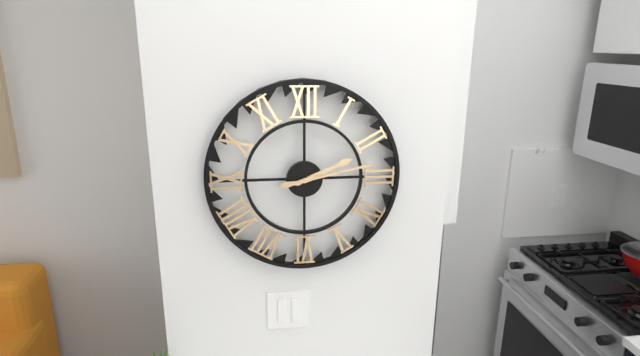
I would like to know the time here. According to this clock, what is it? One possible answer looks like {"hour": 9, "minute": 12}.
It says {"hour": 2, "minute": 13}
